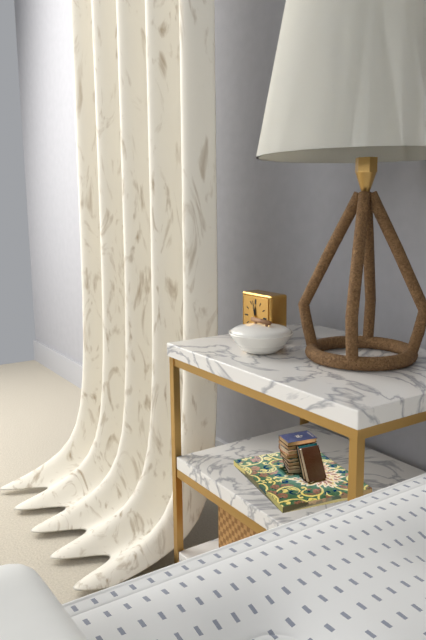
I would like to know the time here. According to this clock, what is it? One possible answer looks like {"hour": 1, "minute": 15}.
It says {"hour": 11, "minute": 58}
